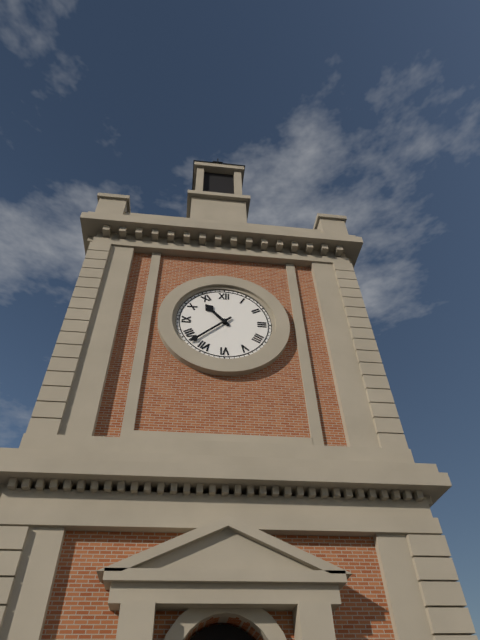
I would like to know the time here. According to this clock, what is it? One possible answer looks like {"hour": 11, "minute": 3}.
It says {"hour": 10, "minute": 38}
